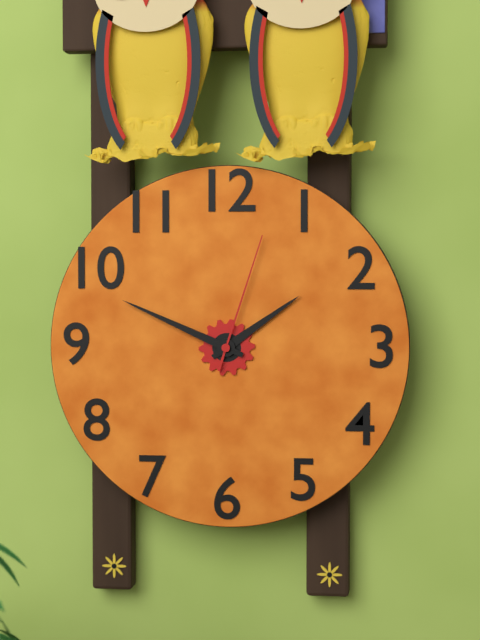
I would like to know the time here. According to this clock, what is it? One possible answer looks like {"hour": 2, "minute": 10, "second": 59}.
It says {"hour": 1, "minute": 49, "second": 3}
